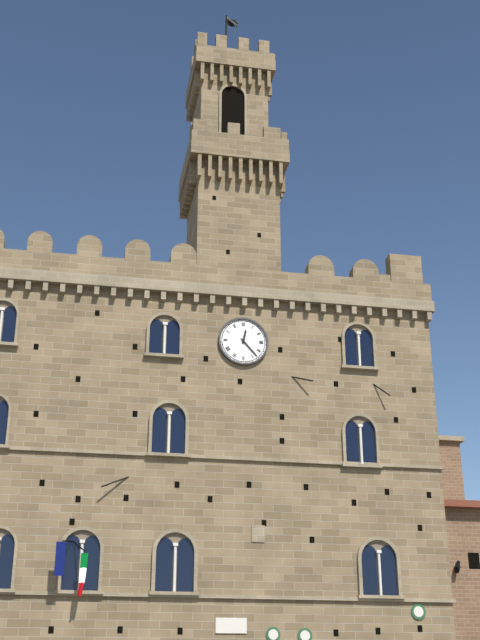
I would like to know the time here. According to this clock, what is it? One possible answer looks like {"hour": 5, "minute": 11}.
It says {"hour": 12, "minute": 23}
